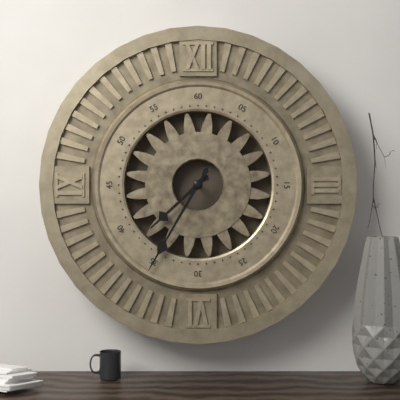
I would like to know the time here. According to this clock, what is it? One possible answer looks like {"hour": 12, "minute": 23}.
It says {"hour": 7, "minute": 35}
